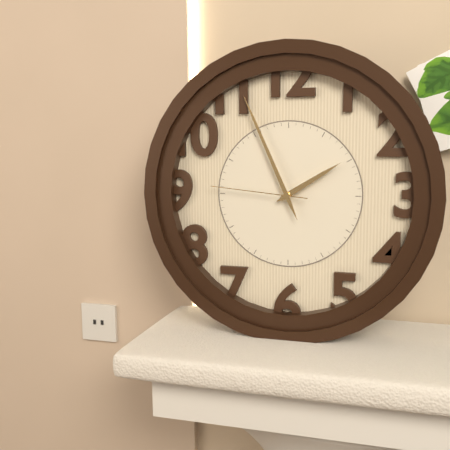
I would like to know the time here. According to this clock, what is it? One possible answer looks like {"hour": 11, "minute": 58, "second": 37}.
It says {"hour": 1, "minute": 56, "second": 46}
